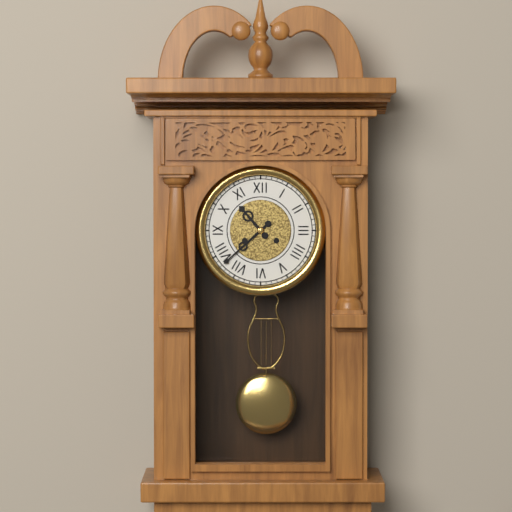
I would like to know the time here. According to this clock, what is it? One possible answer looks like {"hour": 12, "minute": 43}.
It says {"hour": 10, "minute": 38}
